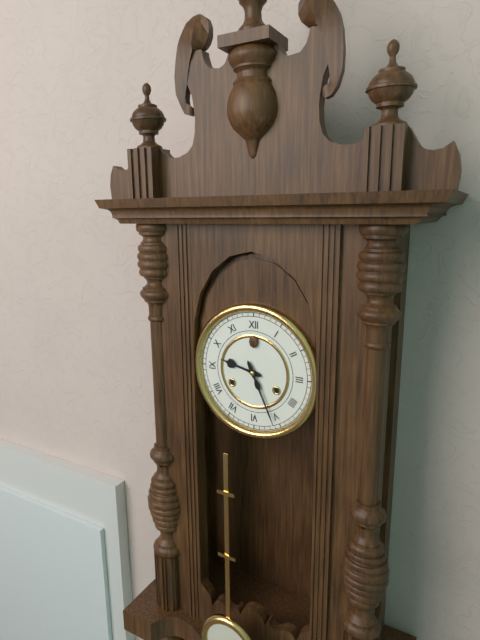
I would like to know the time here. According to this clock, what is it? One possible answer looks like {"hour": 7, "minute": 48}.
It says {"hour": 9, "minute": 26}
